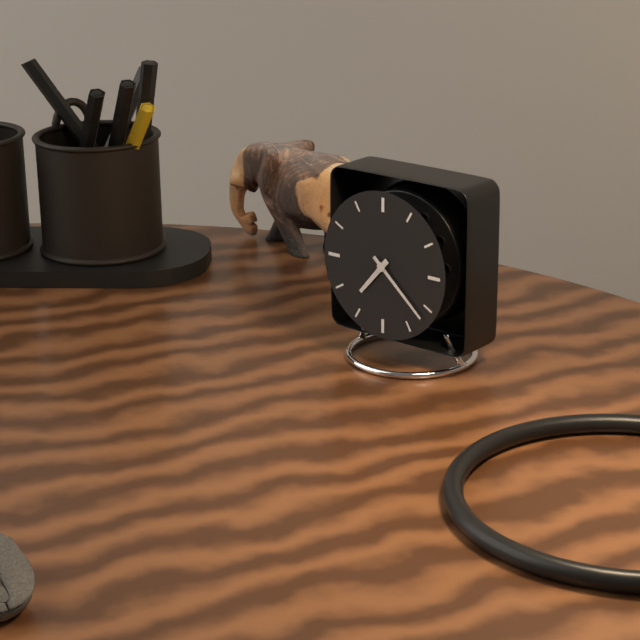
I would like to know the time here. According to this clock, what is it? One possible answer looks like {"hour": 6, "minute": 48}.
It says {"hour": 7, "minute": 22}
